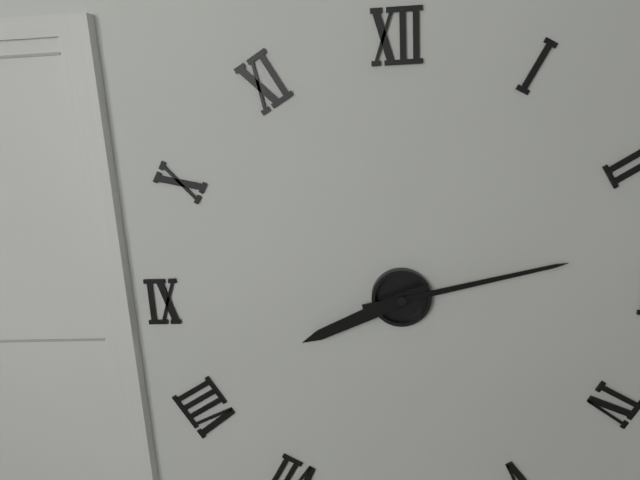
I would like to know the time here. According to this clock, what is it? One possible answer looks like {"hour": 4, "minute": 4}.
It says {"hour": 8, "minute": 13}
